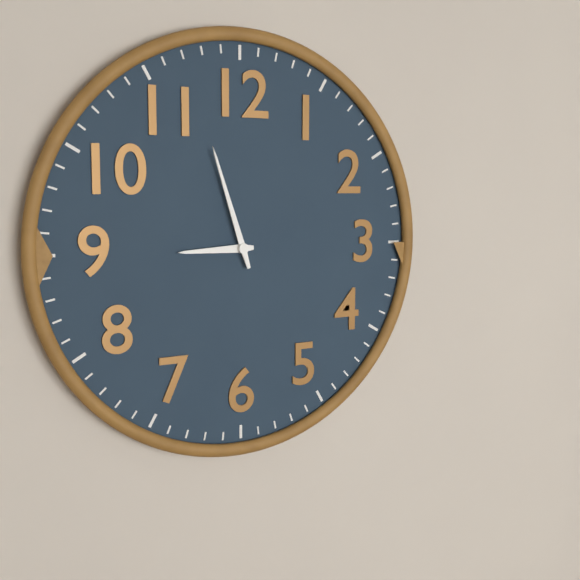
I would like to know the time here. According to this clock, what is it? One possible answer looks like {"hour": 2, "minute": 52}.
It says {"hour": 8, "minute": 57}
